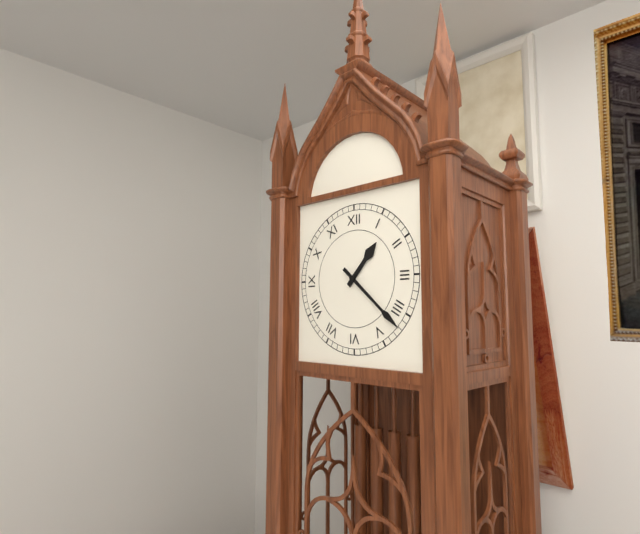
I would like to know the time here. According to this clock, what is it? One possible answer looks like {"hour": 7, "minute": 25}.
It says {"hour": 1, "minute": 22}
